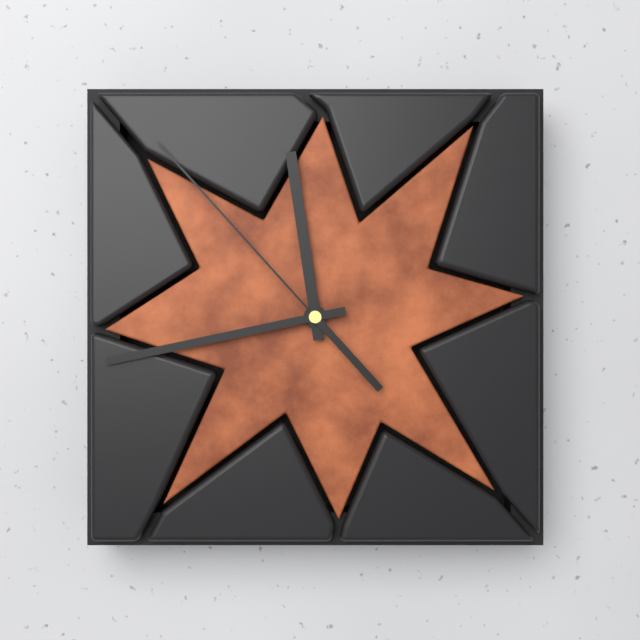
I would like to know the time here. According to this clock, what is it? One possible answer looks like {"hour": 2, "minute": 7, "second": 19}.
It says {"hour": 11, "minute": 43, "second": 53}
